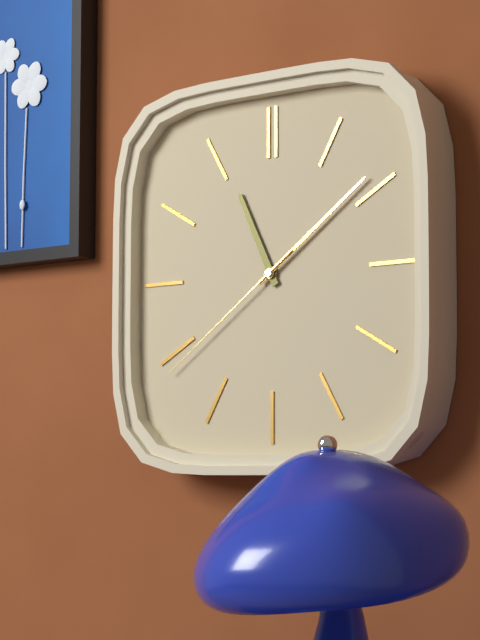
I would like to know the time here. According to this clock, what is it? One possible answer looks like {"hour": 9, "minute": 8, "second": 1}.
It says {"hour": 11, "minute": 9, "second": 39}
